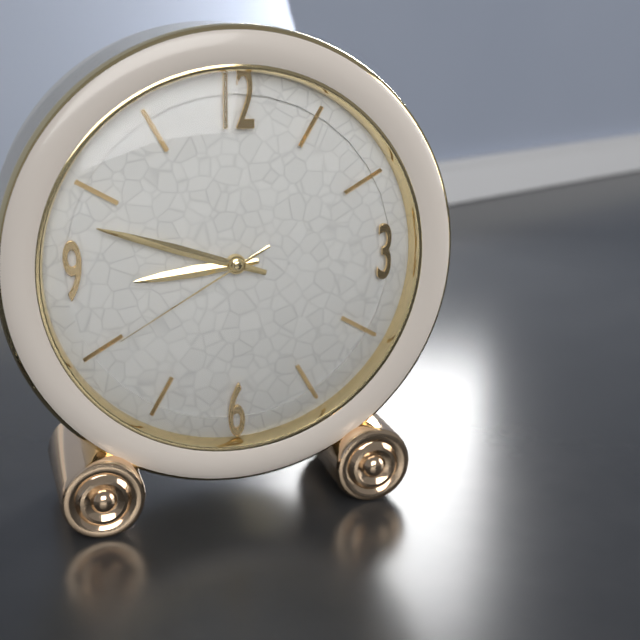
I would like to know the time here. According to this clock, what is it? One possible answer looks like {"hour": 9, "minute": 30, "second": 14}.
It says {"hour": 8, "minute": 48, "second": 40}
